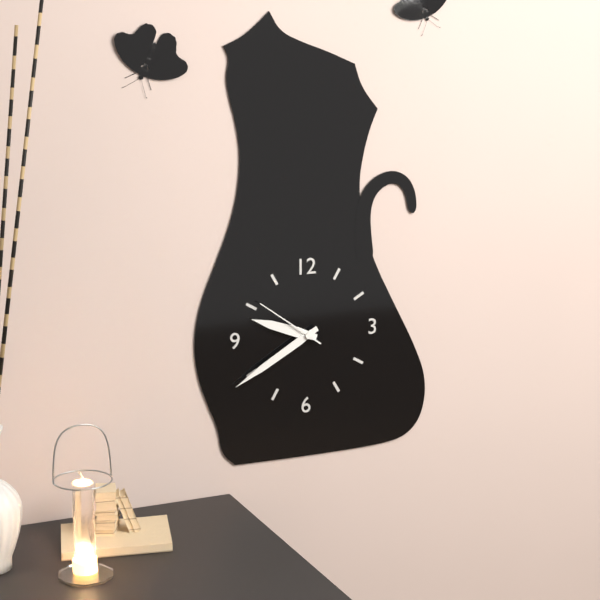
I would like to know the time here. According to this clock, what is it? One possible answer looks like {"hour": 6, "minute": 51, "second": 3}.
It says {"hour": 9, "minute": 40, "second": 51}
